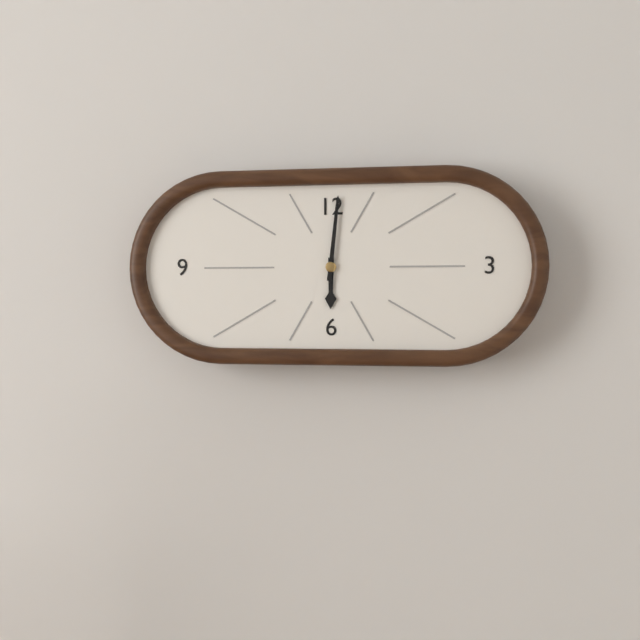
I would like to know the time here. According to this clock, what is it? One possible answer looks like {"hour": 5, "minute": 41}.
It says {"hour": 6, "minute": 1}
